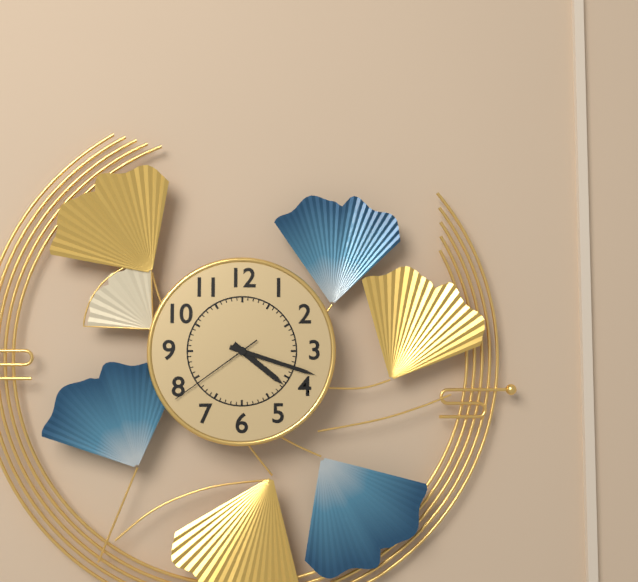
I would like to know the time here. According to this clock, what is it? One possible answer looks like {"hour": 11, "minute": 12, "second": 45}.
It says {"hour": 4, "minute": 18, "second": 39}
